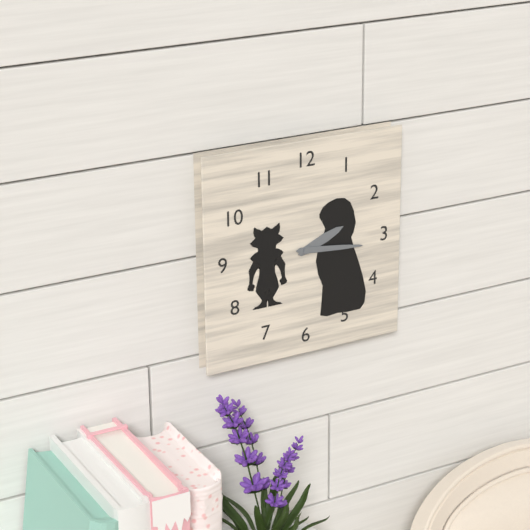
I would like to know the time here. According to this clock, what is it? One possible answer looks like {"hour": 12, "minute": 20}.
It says {"hour": 2, "minute": 16}
